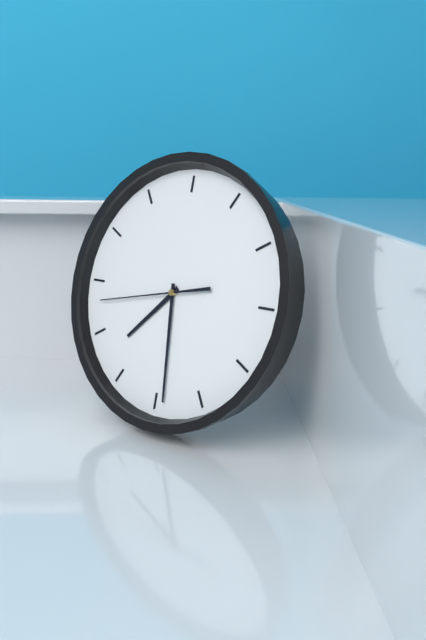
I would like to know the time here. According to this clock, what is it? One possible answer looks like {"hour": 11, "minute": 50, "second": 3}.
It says {"hour": 7, "minute": 29, "second": 43}
